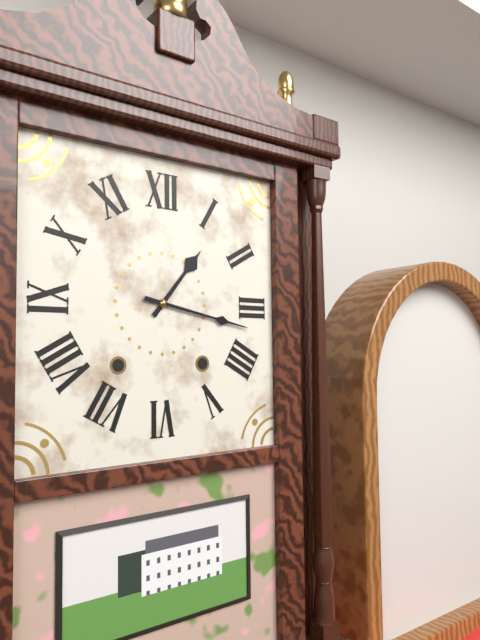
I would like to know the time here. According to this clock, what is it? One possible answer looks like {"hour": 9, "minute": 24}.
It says {"hour": 1, "minute": 17}
